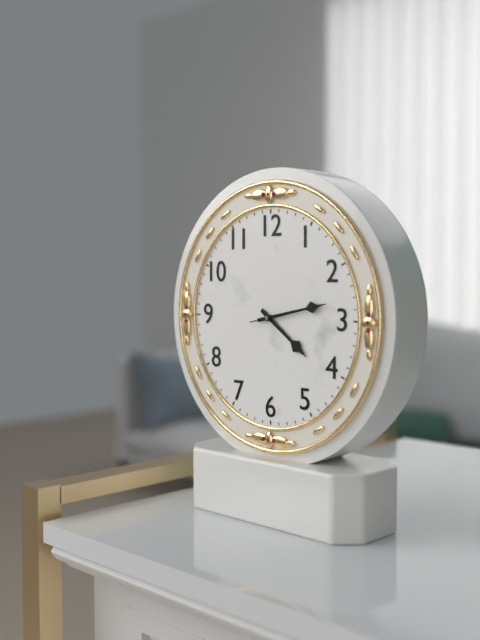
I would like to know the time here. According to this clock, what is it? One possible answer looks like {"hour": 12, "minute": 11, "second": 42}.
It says {"hour": 4, "minute": 13, "second": 13}
